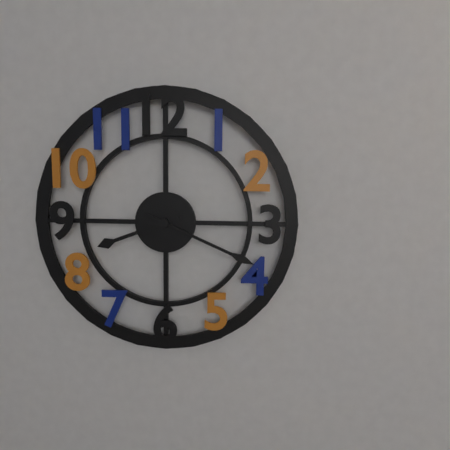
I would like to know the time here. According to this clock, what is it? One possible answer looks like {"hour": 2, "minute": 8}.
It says {"hour": 8, "minute": 19}
